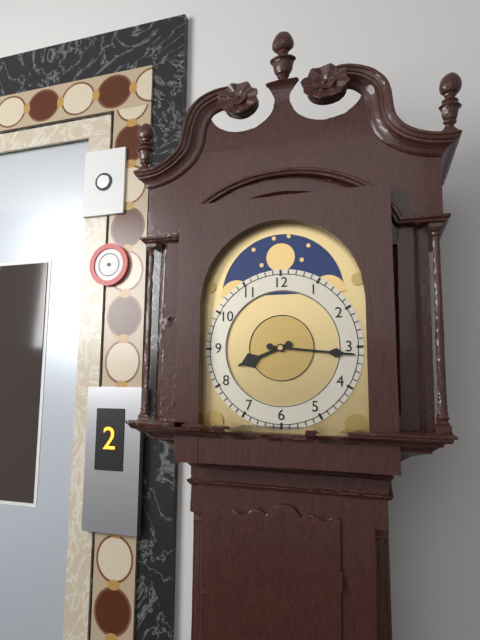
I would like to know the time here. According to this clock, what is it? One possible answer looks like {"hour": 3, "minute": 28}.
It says {"hour": 8, "minute": 16}
